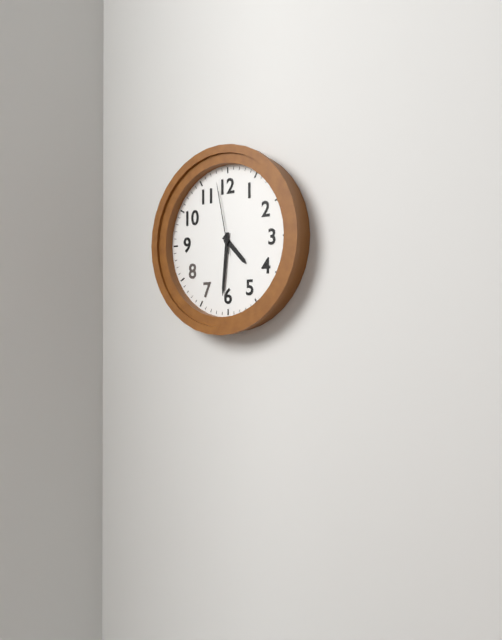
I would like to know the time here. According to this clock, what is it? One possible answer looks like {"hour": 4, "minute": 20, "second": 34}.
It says {"hour": 4, "minute": 31, "second": 58}
